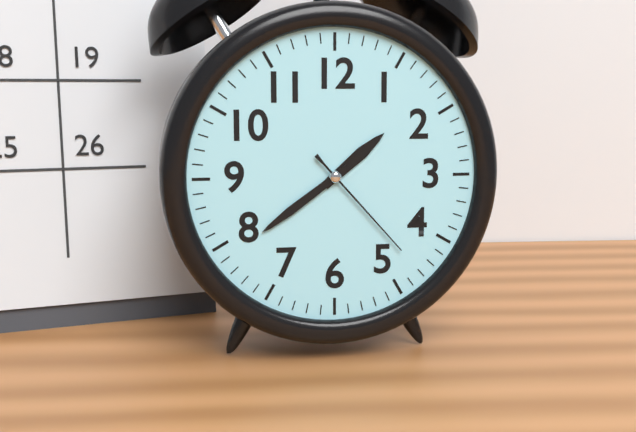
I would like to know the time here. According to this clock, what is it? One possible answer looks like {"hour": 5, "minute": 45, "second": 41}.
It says {"hour": 1, "minute": 39, "second": 23}
